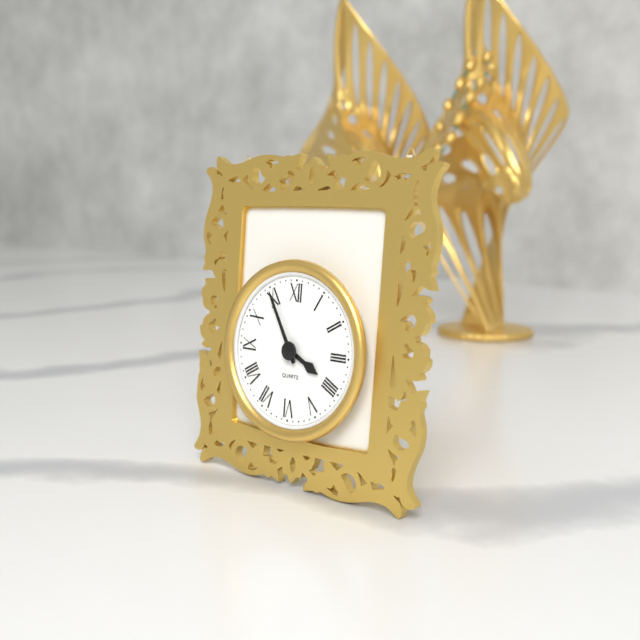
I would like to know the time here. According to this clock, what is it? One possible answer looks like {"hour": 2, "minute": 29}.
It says {"hour": 3, "minute": 55}
